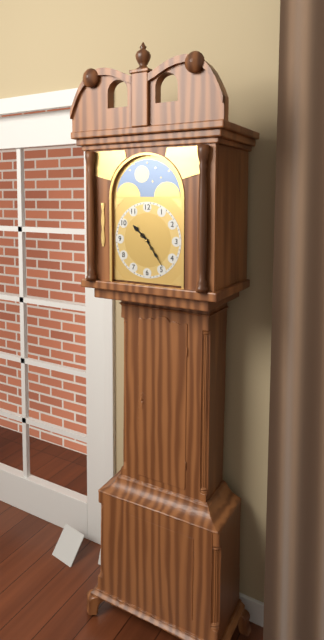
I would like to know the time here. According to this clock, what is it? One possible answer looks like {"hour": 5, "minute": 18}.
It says {"hour": 10, "minute": 24}
